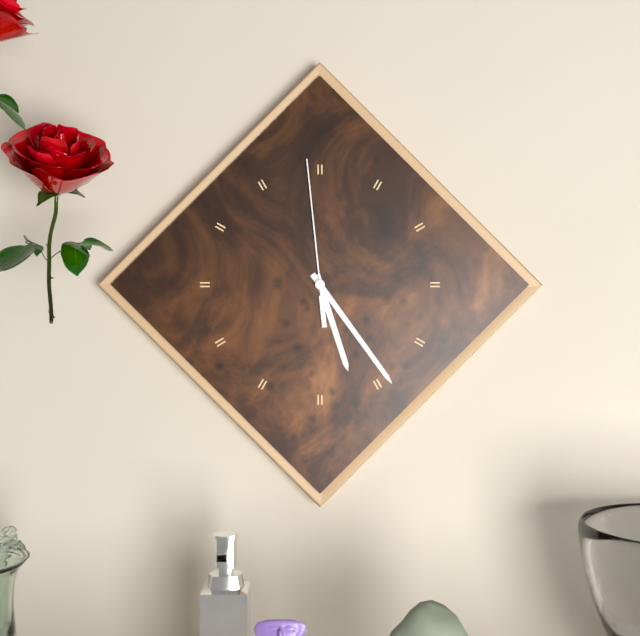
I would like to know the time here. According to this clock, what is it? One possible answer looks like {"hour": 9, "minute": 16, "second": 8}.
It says {"hour": 5, "minute": 24, "second": 59}
